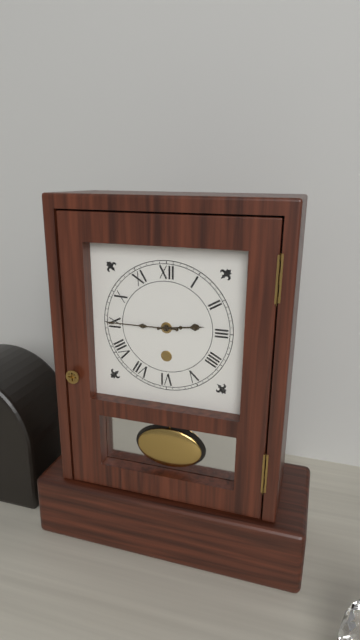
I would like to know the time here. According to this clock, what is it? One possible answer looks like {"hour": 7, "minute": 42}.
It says {"hour": 2, "minute": 45}
